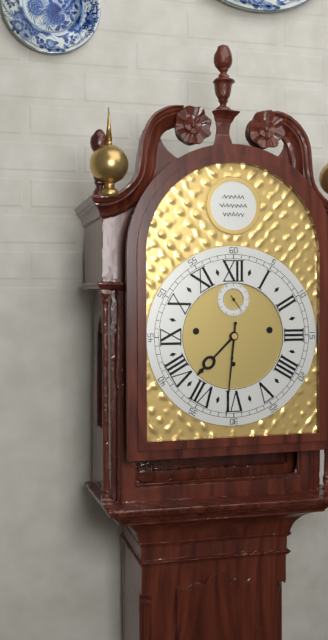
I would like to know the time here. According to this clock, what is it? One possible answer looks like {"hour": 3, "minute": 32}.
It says {"hour": 7, "minute": 31}
